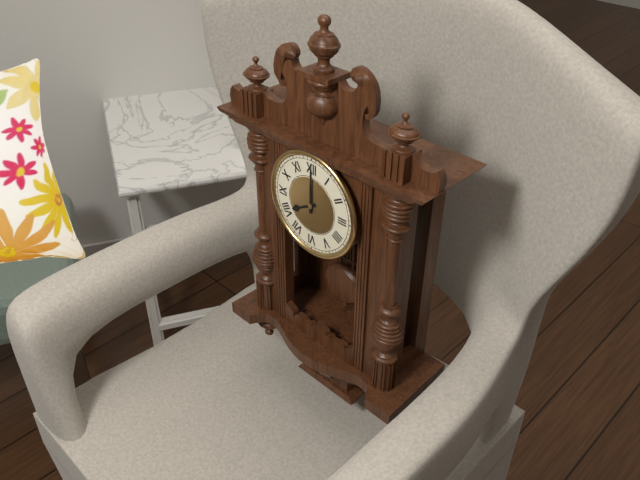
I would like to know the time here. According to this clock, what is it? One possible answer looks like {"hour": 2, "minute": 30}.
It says {"hour": 8, "minute": 0}
